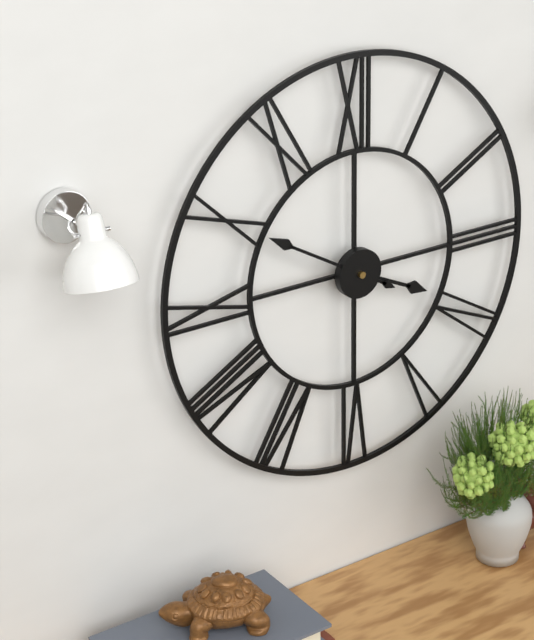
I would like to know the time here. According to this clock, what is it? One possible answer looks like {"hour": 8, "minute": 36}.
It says {"hour": 3, "minute": 50}
